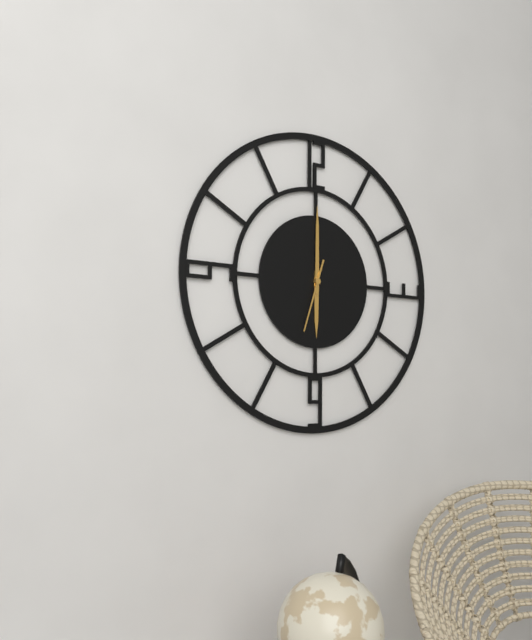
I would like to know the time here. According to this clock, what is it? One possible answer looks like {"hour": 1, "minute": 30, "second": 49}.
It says {"hour": 6, "minute": 0, "second": 33}
